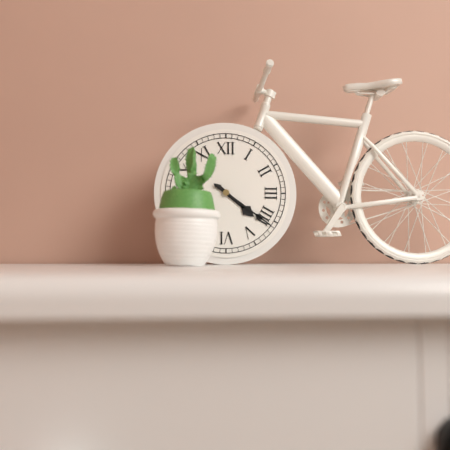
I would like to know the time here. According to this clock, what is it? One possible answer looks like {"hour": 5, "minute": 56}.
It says {"hour": 4, "minute": 21}
